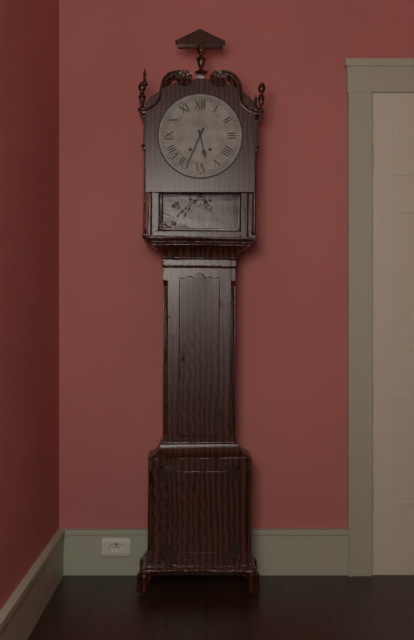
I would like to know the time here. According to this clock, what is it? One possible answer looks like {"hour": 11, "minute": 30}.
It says {"hour": 5, "minute": 34}
